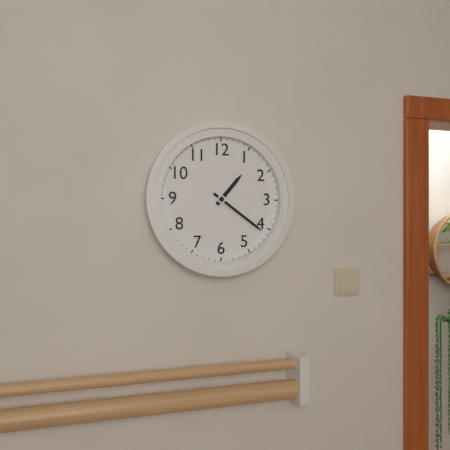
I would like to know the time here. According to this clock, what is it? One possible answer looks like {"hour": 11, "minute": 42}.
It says {"hour": 1, "minute": 21}
